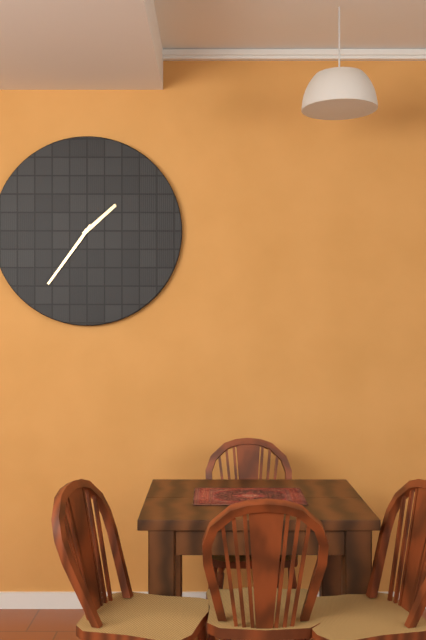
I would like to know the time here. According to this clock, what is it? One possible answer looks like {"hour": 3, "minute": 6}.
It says {"hour": 1, "minute": 36}
